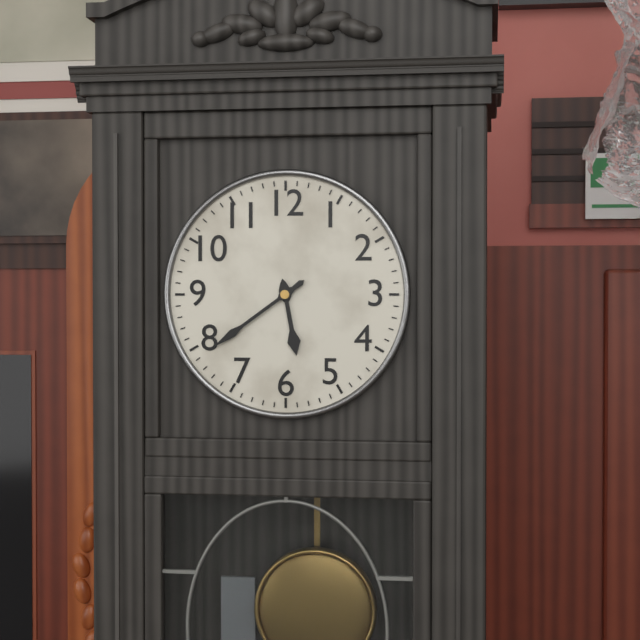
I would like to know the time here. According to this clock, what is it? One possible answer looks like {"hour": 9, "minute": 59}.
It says {"hour": 5, "minute": 39}
